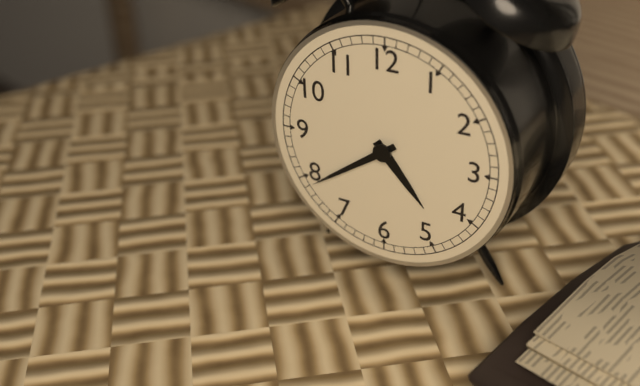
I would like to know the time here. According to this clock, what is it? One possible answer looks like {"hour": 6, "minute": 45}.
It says {"hour": 4, "minute": 39}
